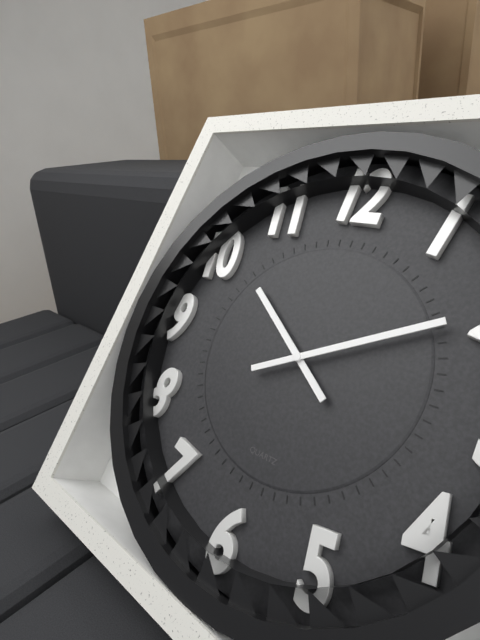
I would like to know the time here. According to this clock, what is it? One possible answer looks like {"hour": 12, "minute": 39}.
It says {"hour": 10, "minute": 10}
